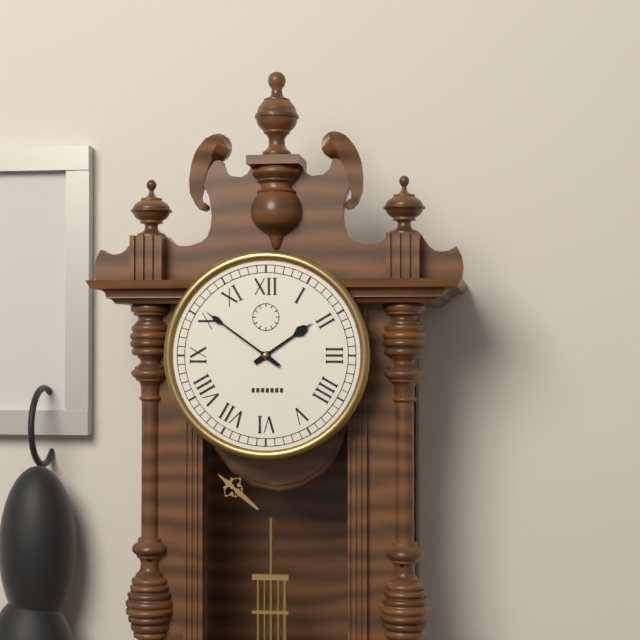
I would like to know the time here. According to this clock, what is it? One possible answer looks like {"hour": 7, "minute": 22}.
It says {"hour": 1, "minute": 51}
